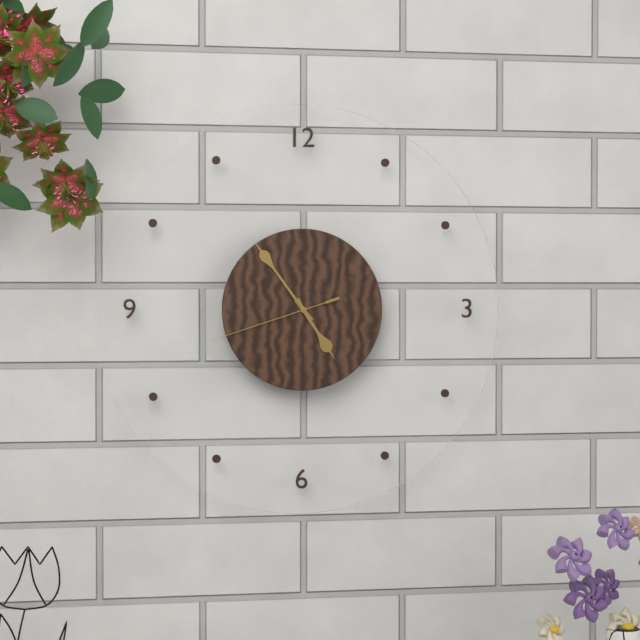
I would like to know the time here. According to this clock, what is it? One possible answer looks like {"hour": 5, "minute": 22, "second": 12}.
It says {"hour": 4, "minute": 54, "second": 42}
